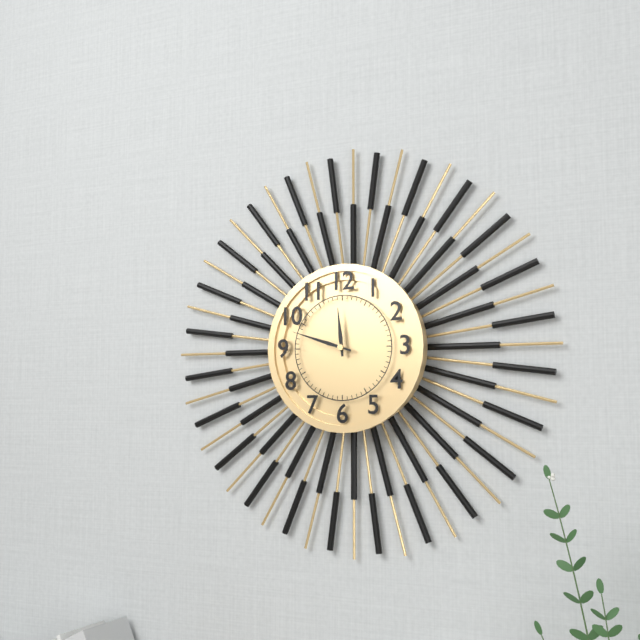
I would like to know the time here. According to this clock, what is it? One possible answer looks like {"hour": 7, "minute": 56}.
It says {"hour": 11, "minute": 48}
